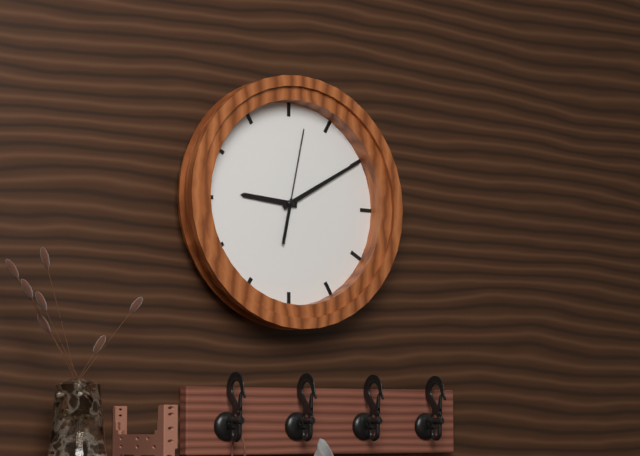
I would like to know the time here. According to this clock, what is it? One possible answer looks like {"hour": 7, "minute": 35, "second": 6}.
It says {"hour": 9, "minute": 10, "second": 2}
